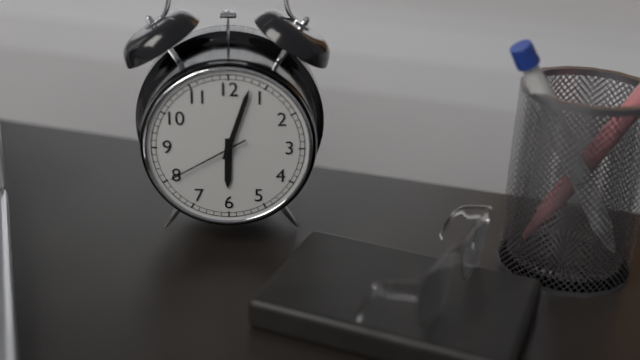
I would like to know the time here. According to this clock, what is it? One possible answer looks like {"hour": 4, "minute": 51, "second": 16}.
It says {"hour": 6, "minute": 3, "second": 40}
